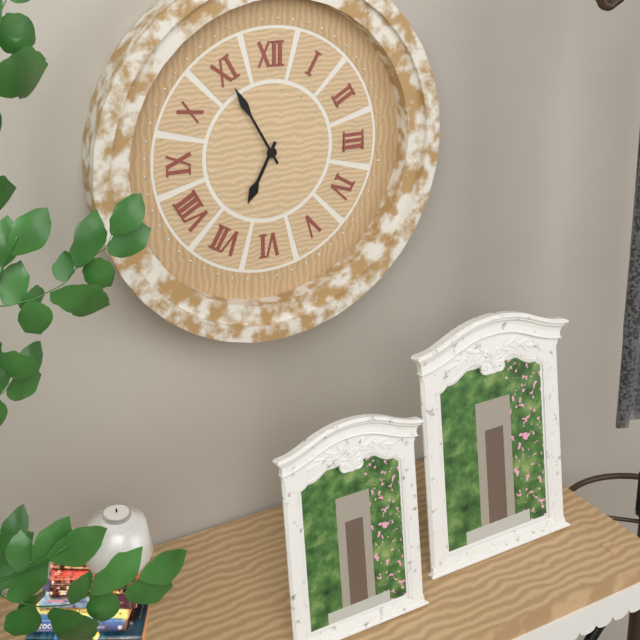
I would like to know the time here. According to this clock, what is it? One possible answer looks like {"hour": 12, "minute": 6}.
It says {"hour": 6, "minute": 55}
